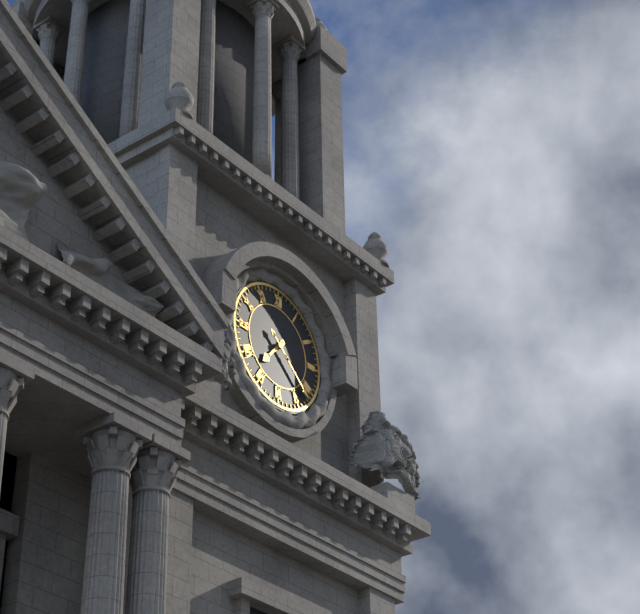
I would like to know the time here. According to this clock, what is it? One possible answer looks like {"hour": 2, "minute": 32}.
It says {"hour": 7, "minute": 22}
